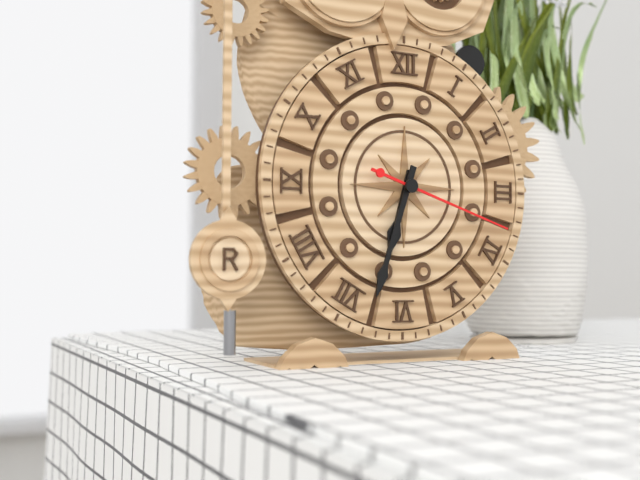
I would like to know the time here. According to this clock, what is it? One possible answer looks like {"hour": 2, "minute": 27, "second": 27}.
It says {"hour": 6, "minute": 33, "second": 18}
